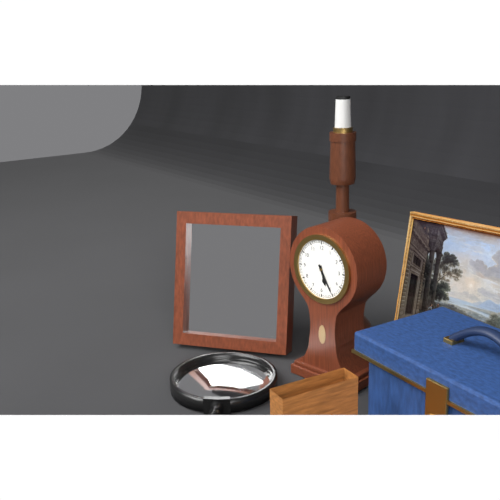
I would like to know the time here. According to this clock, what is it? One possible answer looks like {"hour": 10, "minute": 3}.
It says {"hour": 5, "minute": 25}
